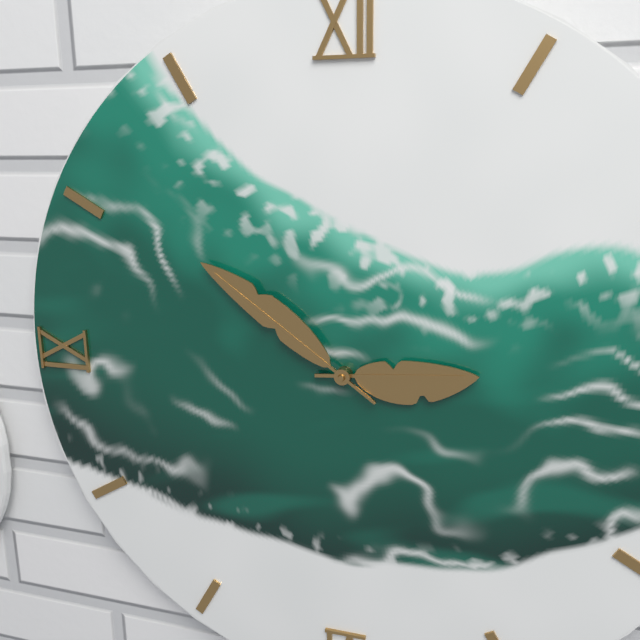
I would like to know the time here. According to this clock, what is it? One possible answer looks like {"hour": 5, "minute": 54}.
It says {"hour": 2, "minute": 51}
